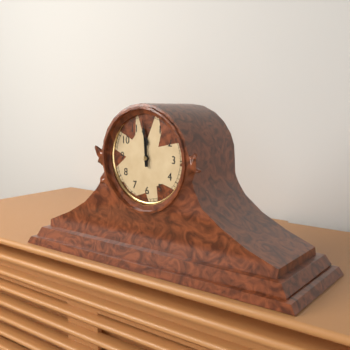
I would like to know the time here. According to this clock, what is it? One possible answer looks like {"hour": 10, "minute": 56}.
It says {"hour": 11, "minute": 59}
